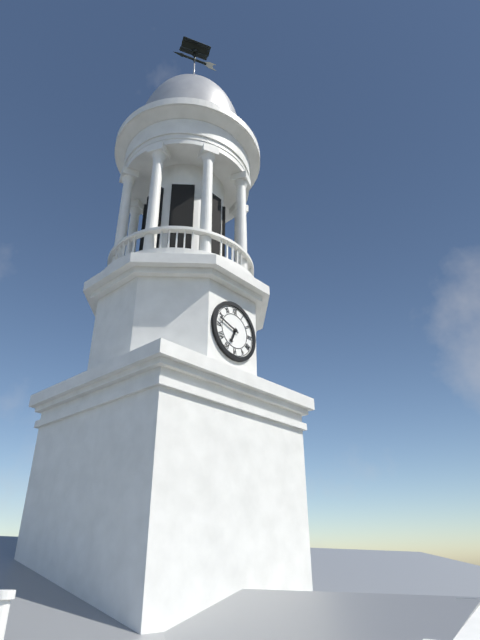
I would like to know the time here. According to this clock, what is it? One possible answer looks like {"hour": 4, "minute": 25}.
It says {"hour": 6, "minute": 48}
